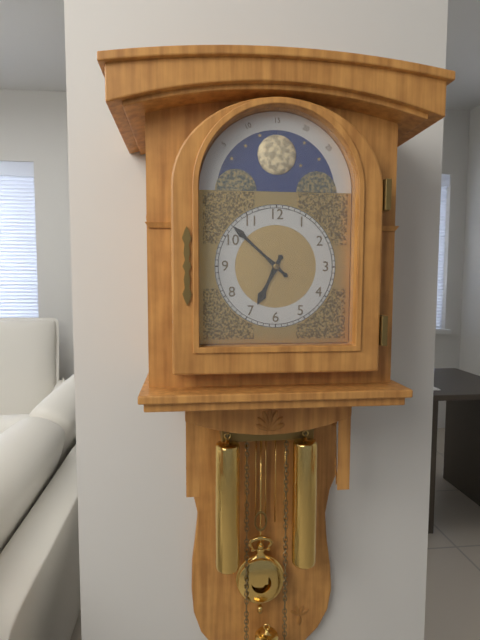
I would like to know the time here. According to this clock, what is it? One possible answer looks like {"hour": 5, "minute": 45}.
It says {"hour": 6, "minute": 52}
